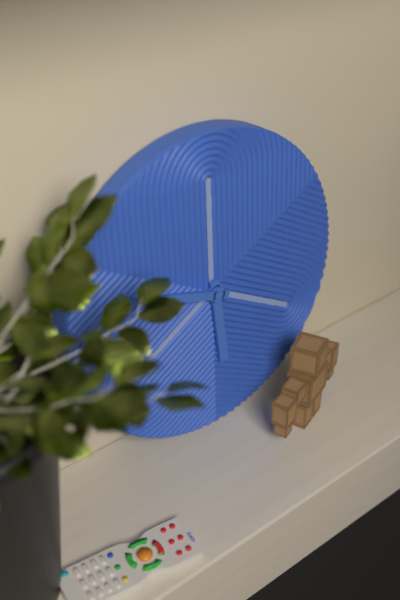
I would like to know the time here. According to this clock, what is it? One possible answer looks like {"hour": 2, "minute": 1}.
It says {"hour": 5, "minute": 48}
